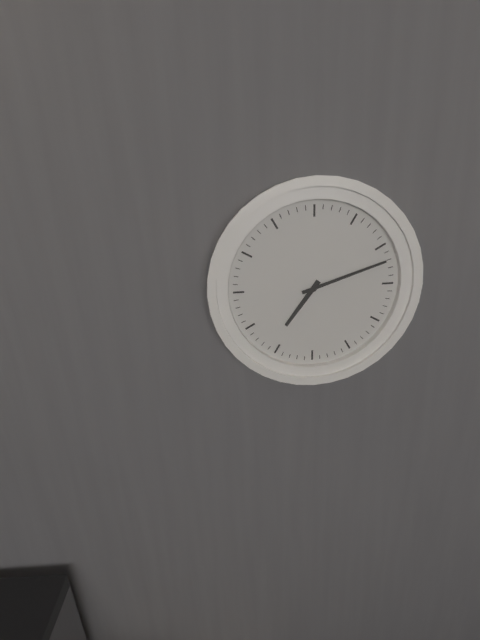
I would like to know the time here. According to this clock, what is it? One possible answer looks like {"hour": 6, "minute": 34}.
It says {"hour": 7, "minute": 12}
